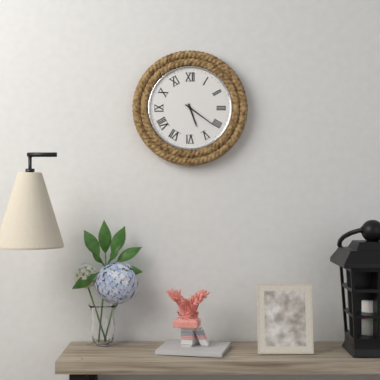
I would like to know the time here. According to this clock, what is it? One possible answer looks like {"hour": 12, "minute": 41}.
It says {"hour": 5, "minute": 21}
